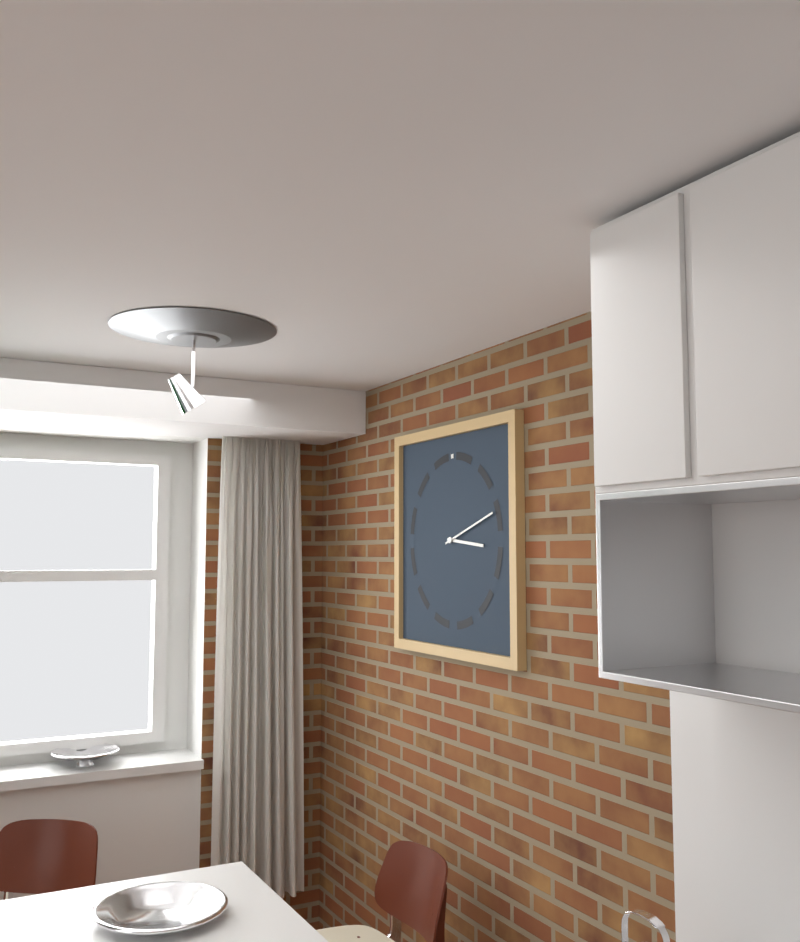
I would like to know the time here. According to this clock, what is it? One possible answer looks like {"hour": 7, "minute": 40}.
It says {"hour": 3, "minute": 12}
